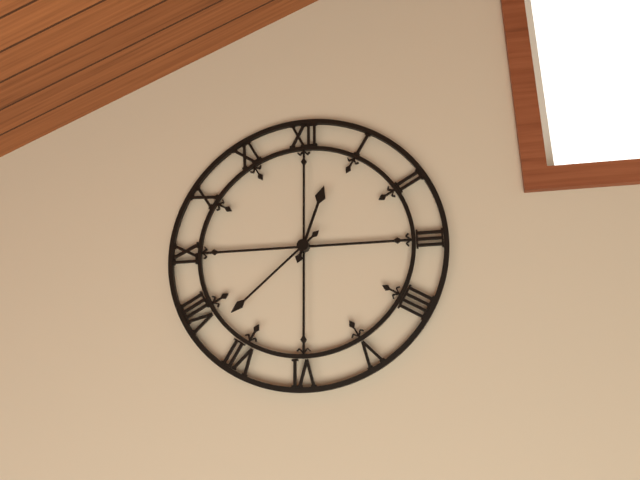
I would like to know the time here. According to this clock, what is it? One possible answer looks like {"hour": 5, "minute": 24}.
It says {"hour": 12, "minute": 38}
